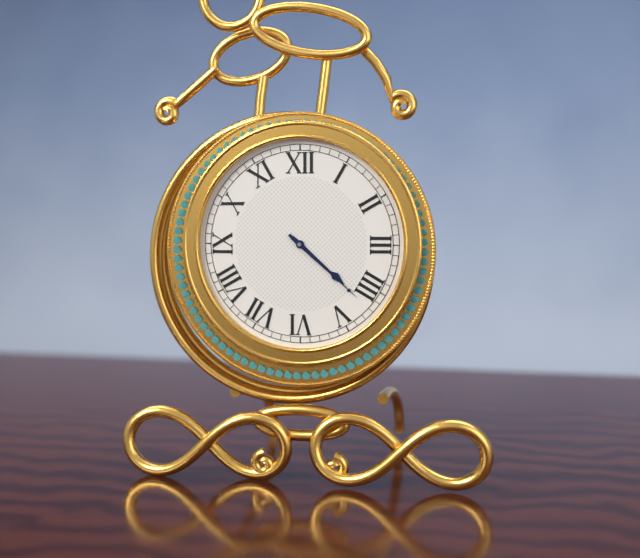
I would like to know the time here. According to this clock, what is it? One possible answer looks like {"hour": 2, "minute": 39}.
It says {"hour": 4, "minute": 22}
